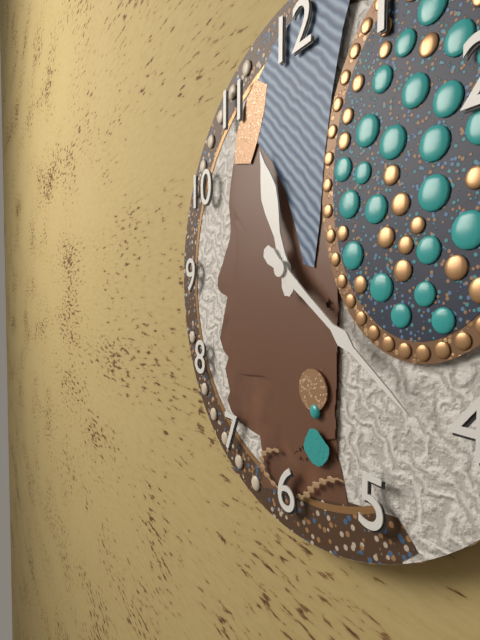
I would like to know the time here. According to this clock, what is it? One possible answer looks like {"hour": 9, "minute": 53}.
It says {"hour": 11, "minute": 21}
